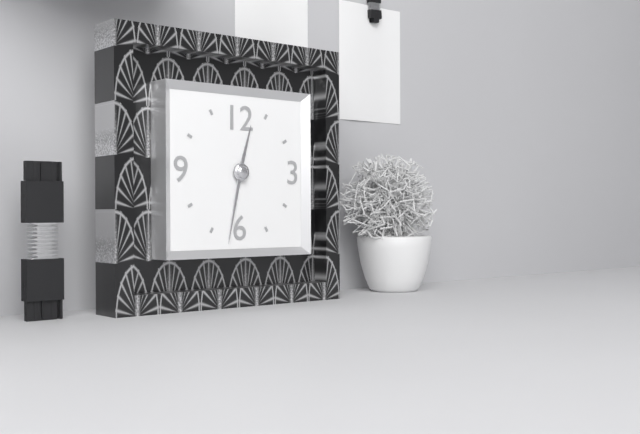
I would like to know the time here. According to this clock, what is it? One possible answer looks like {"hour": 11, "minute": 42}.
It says {"hour": 12, "minute": 32}
